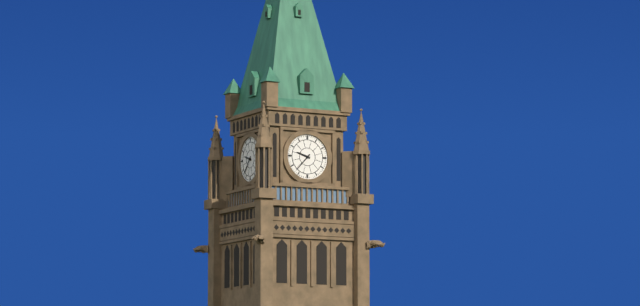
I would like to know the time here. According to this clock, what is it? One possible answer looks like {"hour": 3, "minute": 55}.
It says {"hour": 9, "minute": 37}
